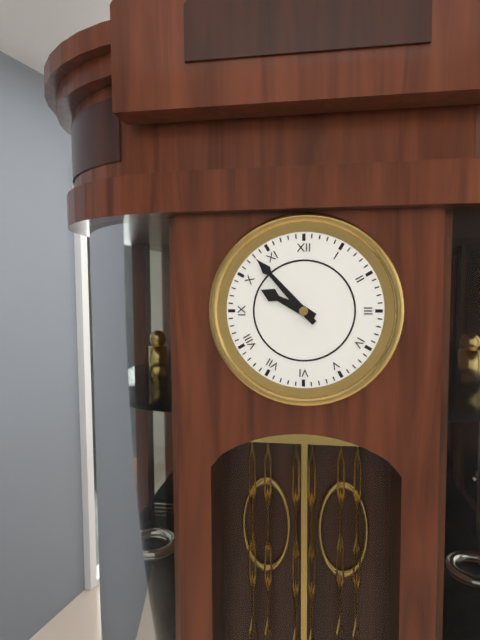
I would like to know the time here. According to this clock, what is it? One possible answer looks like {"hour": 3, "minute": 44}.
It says {"hour": 9, "minute": 53}
